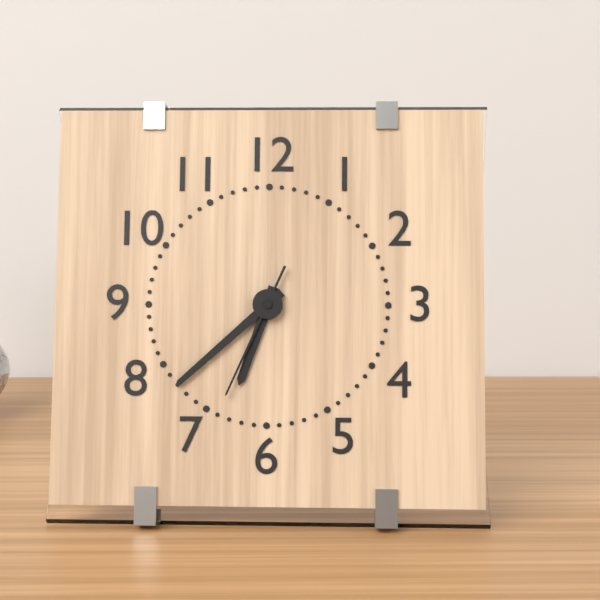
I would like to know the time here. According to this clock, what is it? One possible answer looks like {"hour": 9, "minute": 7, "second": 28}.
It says {"hour": 6, "minute": 38, "second": 34}
